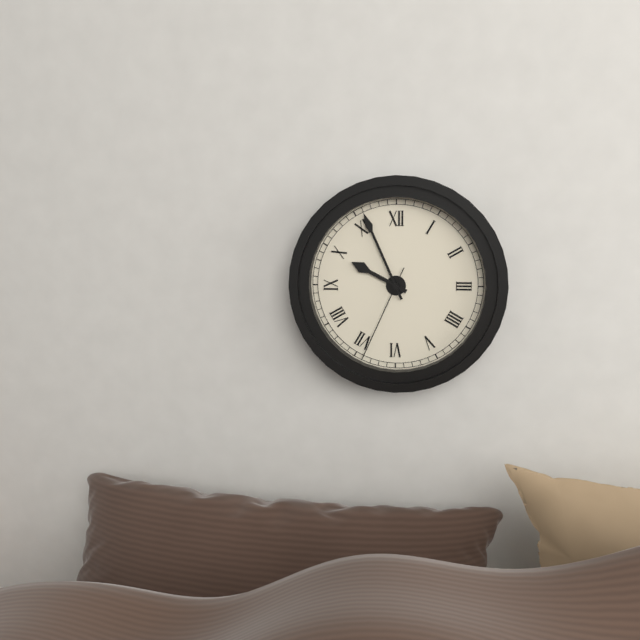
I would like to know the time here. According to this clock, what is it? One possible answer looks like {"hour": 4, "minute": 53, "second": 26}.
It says {"hour": 9, "minute": 56, "second": 34}
